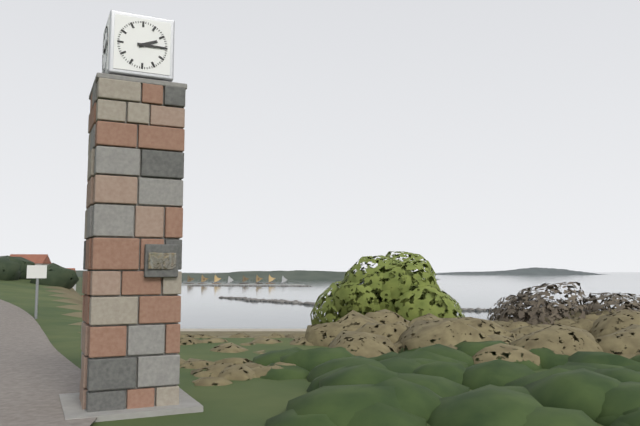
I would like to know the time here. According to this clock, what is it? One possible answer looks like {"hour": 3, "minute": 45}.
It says {"hour": 2, "minute": 15}
